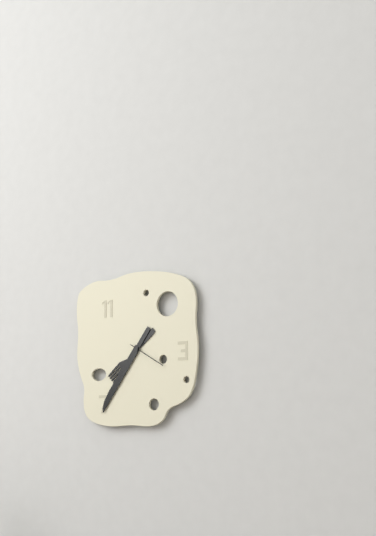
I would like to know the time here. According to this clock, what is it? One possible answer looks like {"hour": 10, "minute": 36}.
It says {"hour": 7, "minute": 36}
